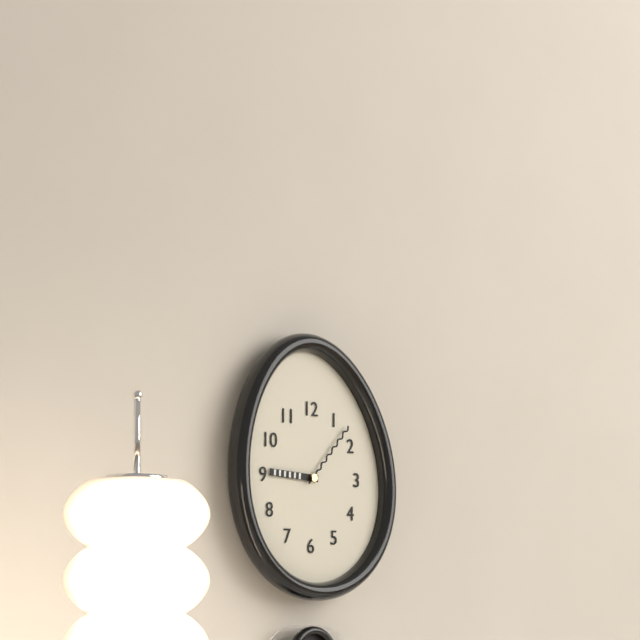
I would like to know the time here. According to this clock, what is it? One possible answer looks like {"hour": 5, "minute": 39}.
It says {"hour": 9, "minute": 7}
